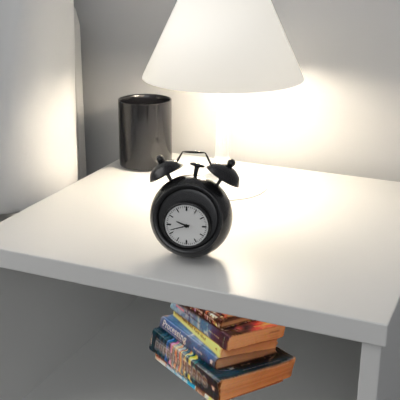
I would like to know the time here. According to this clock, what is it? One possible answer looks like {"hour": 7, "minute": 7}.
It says {"hour": 9, "minute": 42}
